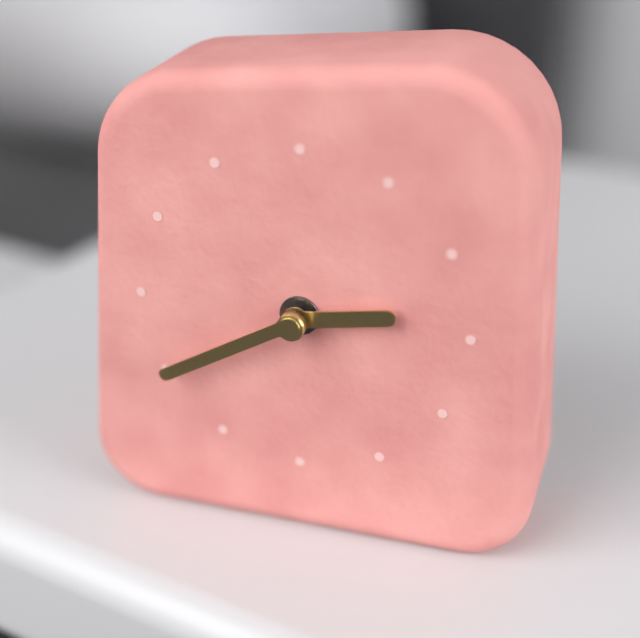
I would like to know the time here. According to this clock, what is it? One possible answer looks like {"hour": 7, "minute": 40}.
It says {"hour": 2, "minute": 40}
